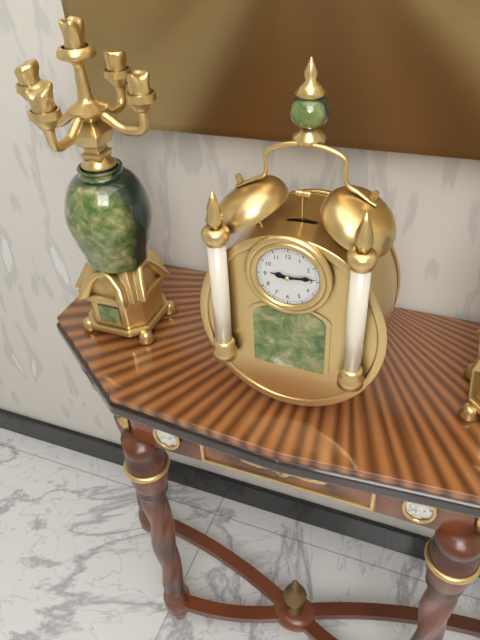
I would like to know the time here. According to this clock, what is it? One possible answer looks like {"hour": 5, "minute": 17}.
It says {"hour": 9, "minute": 14}
